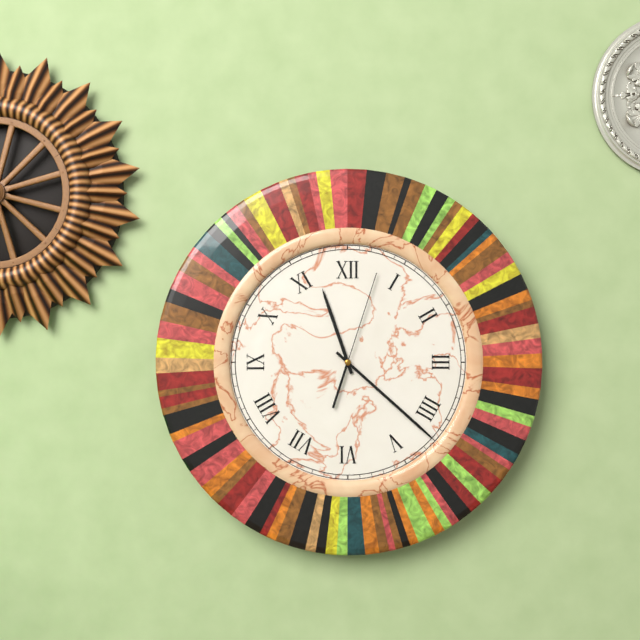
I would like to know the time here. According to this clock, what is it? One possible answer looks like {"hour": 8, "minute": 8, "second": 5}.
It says {"hour": 11, "minute": 22, "second": 3}
